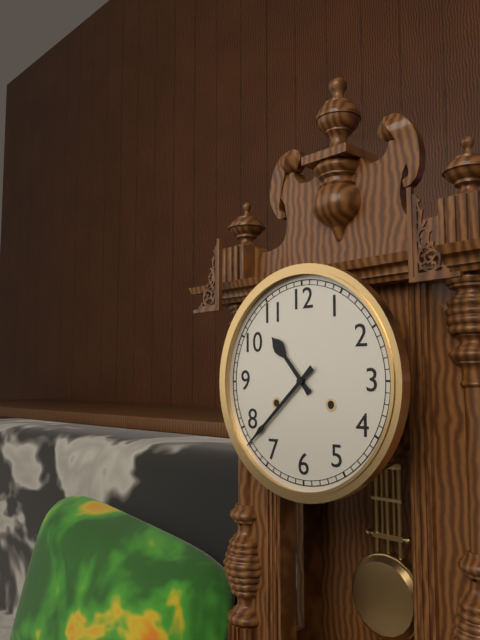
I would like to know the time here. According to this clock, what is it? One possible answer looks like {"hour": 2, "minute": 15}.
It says {"hour": 10, "minute": 38}
